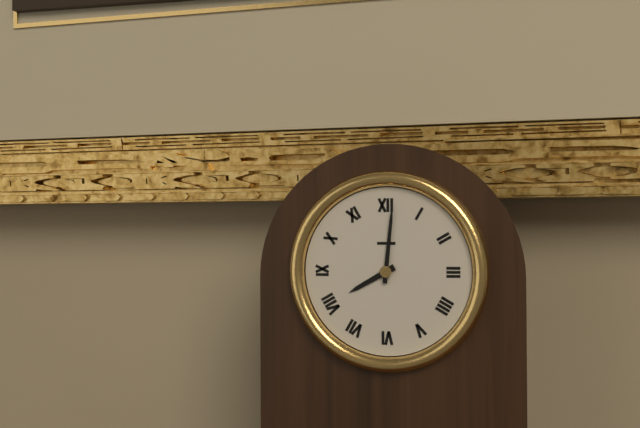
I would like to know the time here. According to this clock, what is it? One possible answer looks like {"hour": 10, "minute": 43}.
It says {"hour": 8, "minute": 1}
